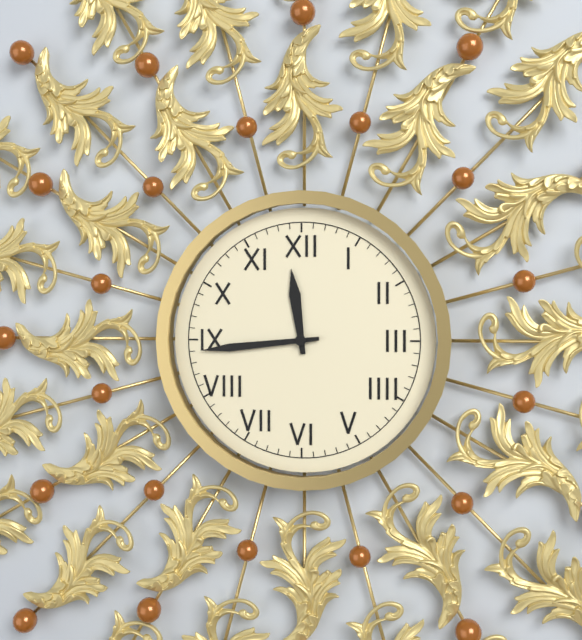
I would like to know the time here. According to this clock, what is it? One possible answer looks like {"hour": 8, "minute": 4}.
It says {"hour": 11, "minute": 44}
